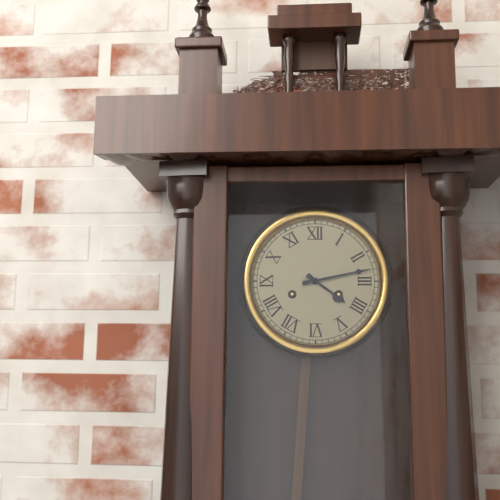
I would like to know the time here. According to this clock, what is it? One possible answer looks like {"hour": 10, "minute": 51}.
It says {"hour": 4, "minute": 13}
